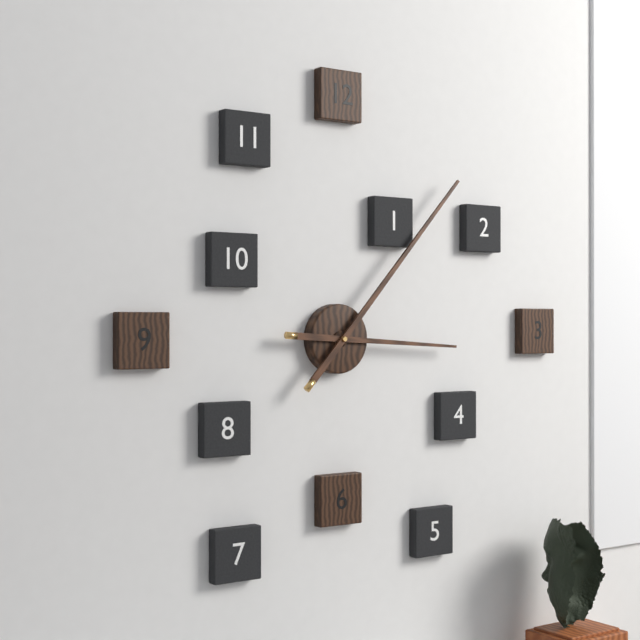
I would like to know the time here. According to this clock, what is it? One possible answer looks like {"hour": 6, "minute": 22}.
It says {"hour": 3, "minute": 7}
